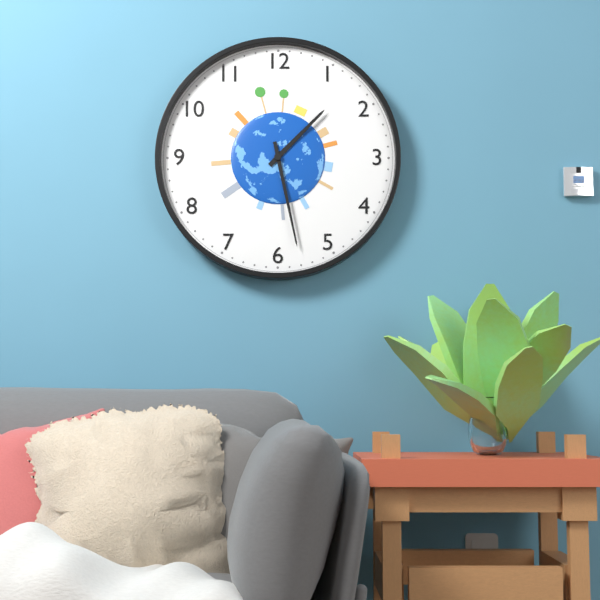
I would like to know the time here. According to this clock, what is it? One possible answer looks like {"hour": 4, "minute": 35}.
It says {"hour": 1, "minute": 28}
